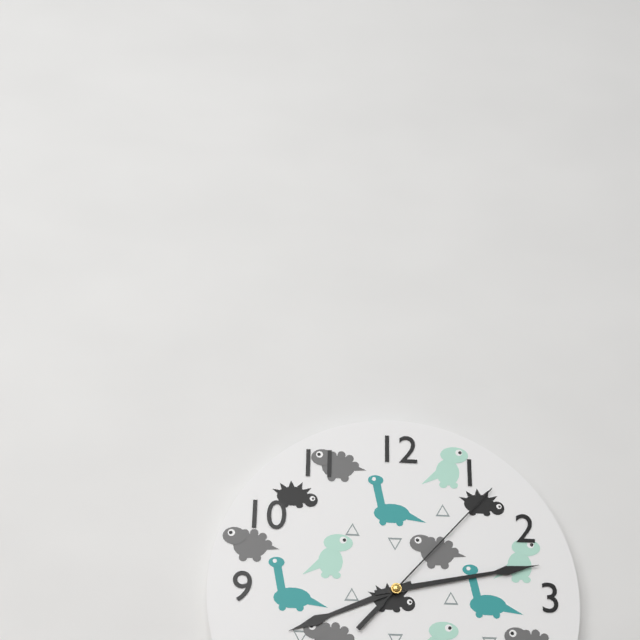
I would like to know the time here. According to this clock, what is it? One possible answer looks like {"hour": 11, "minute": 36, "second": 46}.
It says {"hour": 8, "minute": 13, "second": 7}
